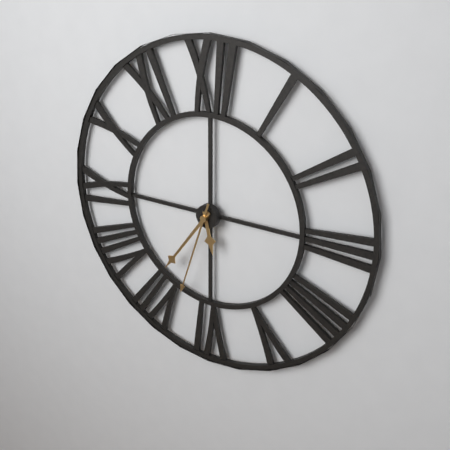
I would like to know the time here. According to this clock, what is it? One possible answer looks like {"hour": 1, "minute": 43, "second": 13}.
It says {"hour": 5, "minute": 36, "second": 33}
